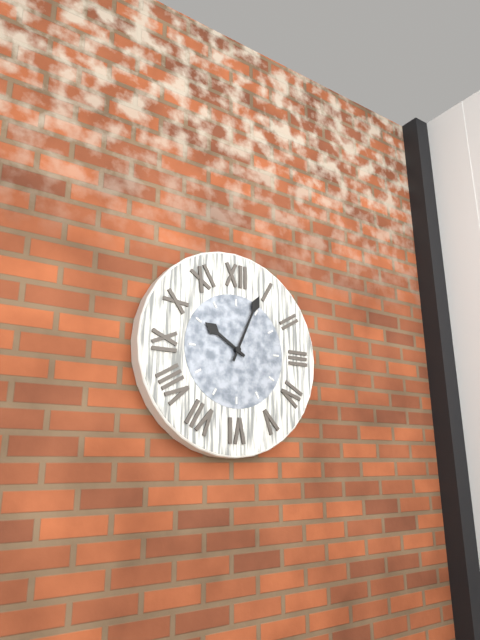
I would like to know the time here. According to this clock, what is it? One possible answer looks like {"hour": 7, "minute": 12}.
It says {"hour": 10, "minute": 4}
